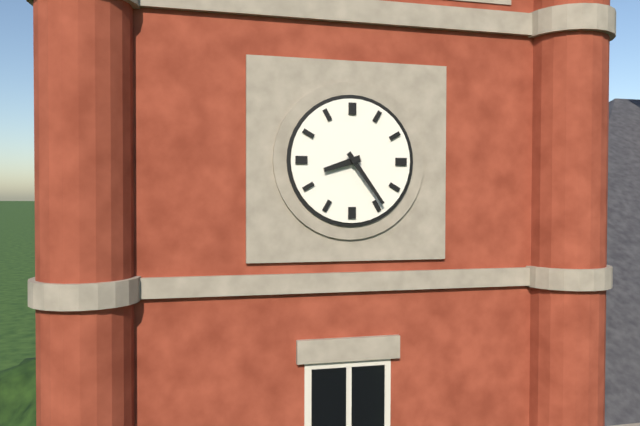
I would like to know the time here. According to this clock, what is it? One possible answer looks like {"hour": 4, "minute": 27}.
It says {"hour": 8, "minute": 24}
